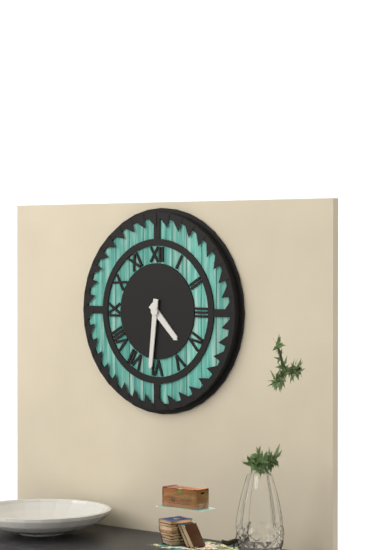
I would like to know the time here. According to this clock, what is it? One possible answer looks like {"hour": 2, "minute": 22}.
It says {"hour": 4, "minute": 31}
